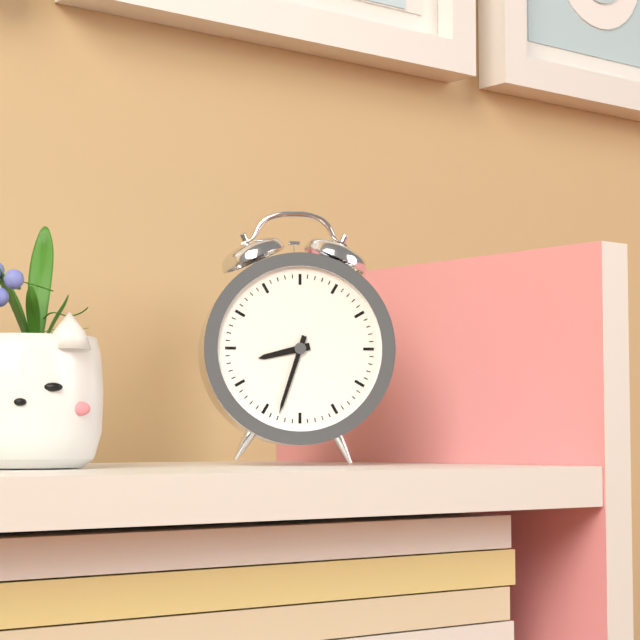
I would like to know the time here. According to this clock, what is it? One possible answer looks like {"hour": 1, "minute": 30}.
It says {"hour": 8, "minute": 33}
